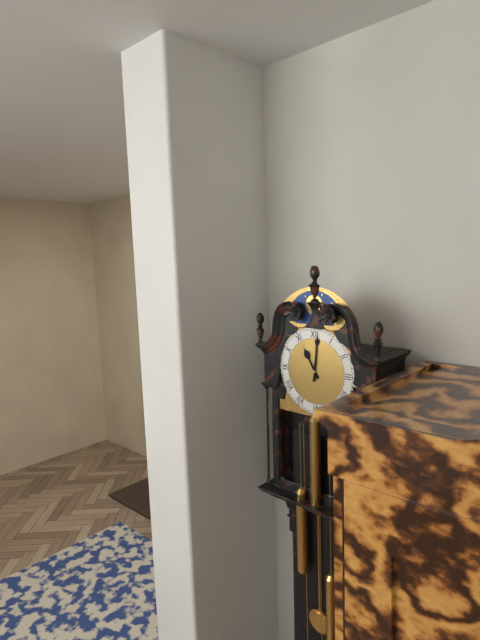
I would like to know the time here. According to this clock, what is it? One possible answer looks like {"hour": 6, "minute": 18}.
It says {"hour": 11, "minute": 1}
